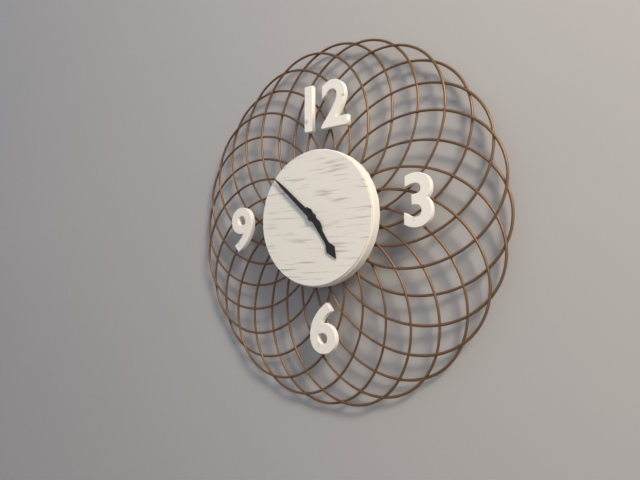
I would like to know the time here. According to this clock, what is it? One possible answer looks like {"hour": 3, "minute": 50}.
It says {"hour": 4, "minute": 52}
